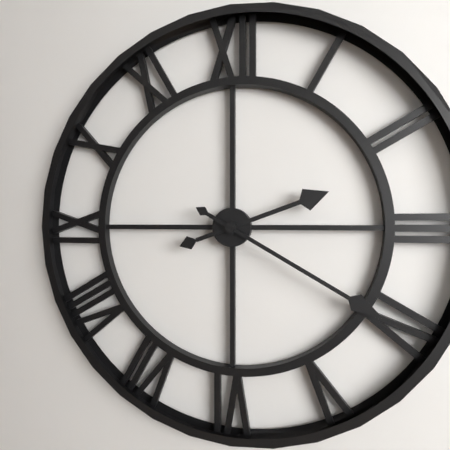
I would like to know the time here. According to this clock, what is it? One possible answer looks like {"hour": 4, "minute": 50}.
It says {"hour": 2, "minute": 20}
